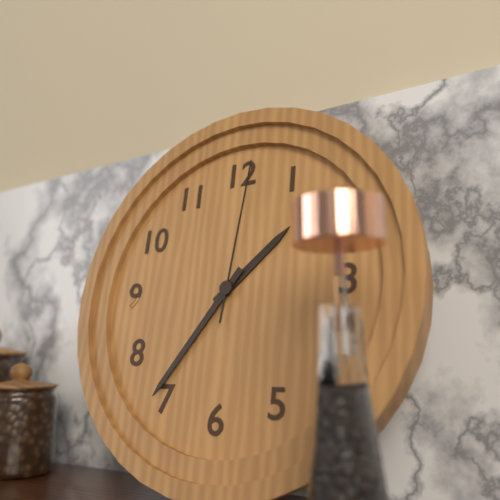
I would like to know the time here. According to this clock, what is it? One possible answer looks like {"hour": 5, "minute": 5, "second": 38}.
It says {"hour": 1, "minute": 36, "second": 1}
